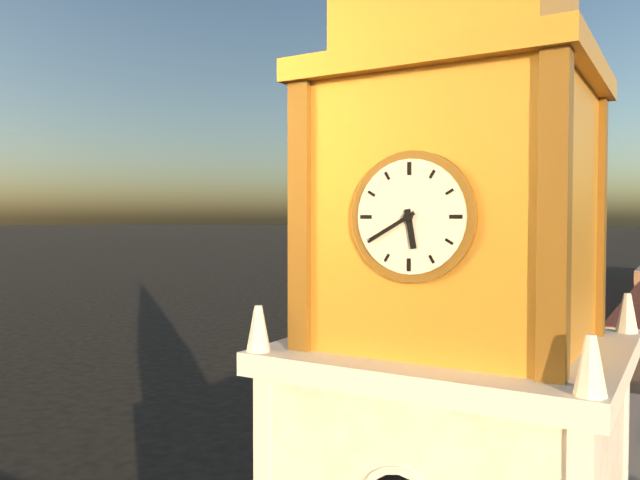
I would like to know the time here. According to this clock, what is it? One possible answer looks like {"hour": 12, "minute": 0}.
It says {"hour": 5, "minute": 40}
